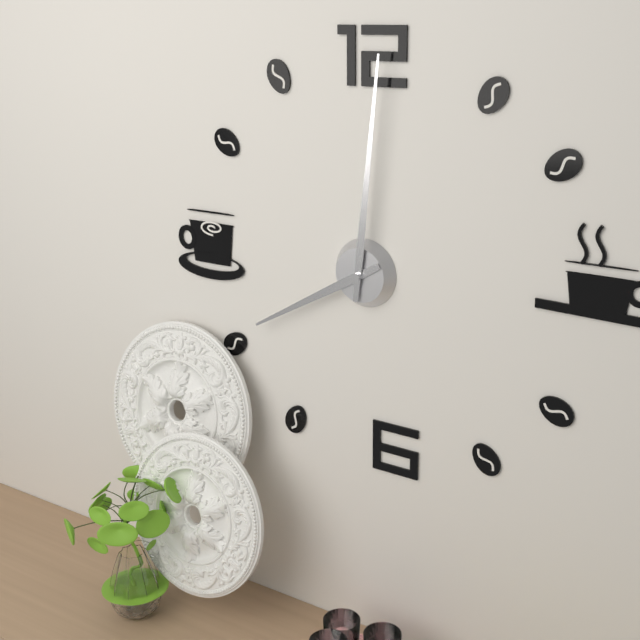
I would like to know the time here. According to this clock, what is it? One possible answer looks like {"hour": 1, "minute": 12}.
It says {"hour": 8, "minute": 1}
